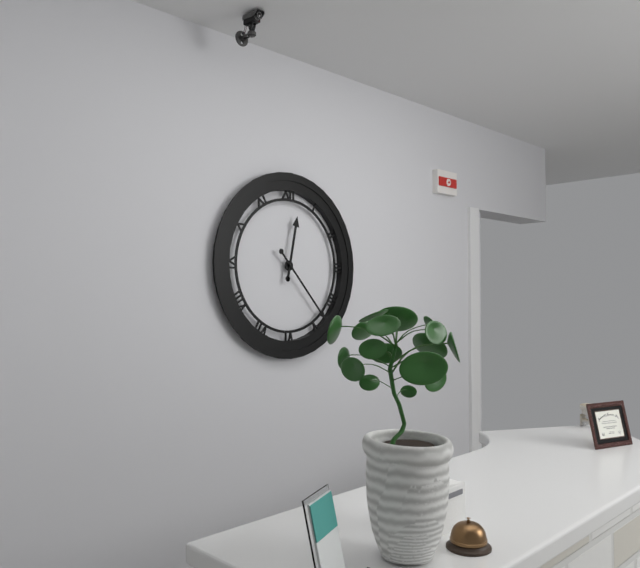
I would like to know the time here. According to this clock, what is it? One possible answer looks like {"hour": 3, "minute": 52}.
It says {"hour": 12, "minute": 23}
